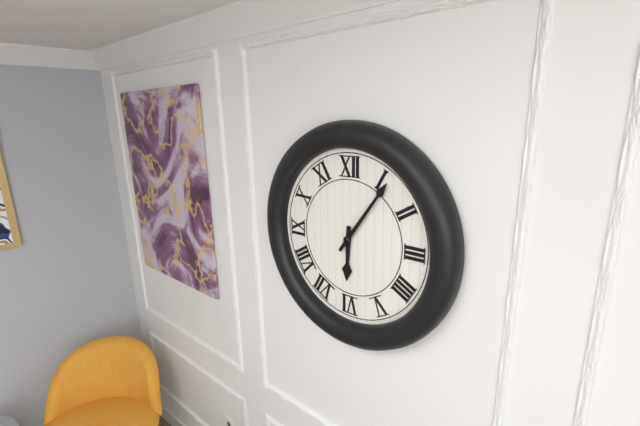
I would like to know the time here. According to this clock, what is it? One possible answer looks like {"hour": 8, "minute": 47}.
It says {"hour": 6, "minute": 6}
